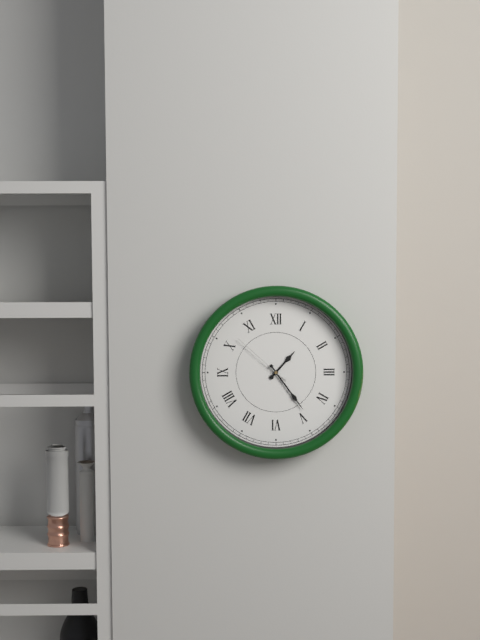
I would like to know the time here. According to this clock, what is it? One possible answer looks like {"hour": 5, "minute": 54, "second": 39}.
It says {"hour": 1, "minute": 24, "second": 52}
